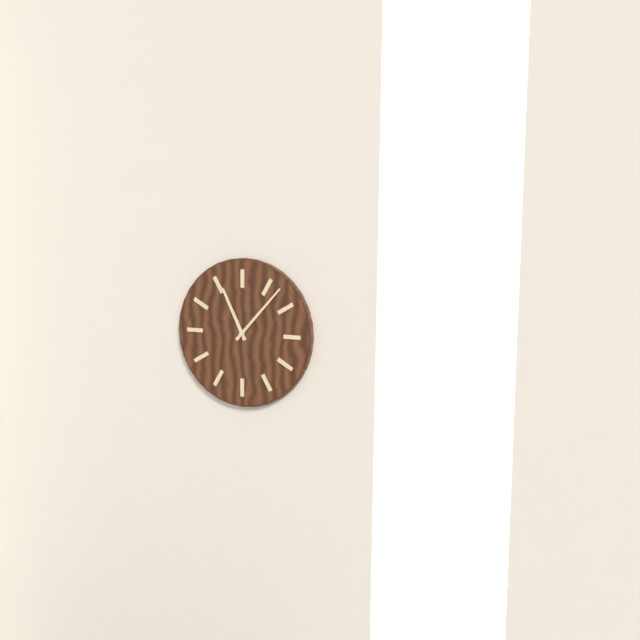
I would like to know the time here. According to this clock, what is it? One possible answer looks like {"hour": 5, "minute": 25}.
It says {"hour": 11, "minute": 7}
